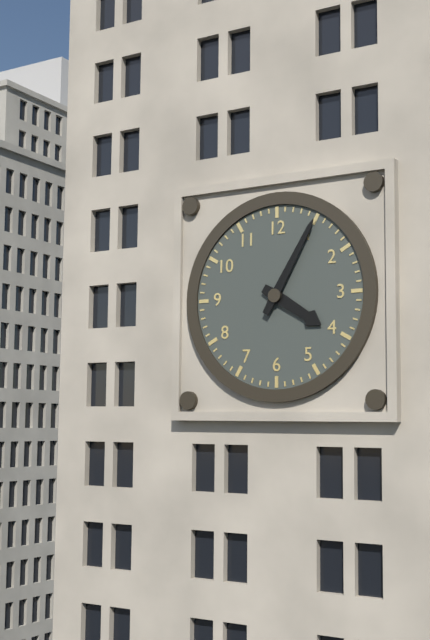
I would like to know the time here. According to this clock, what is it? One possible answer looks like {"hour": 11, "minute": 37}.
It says {"hour": 4, "minute": 5}
